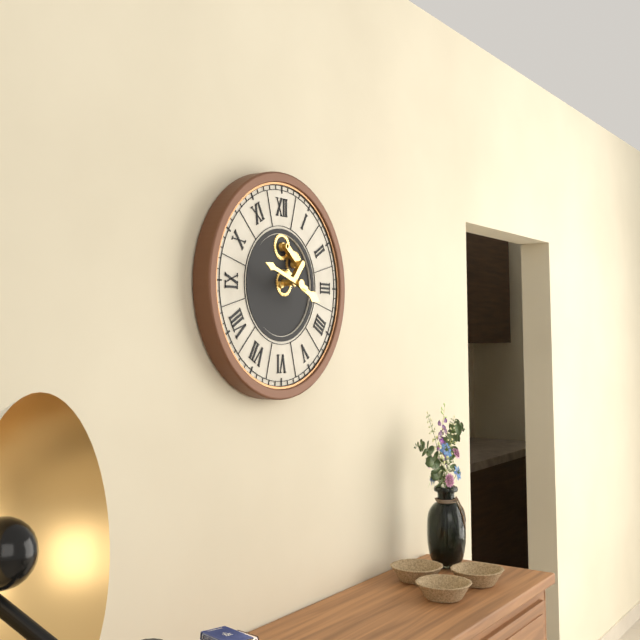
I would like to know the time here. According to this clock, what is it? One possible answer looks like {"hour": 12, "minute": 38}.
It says {"hour": 3, "minute": 48}
